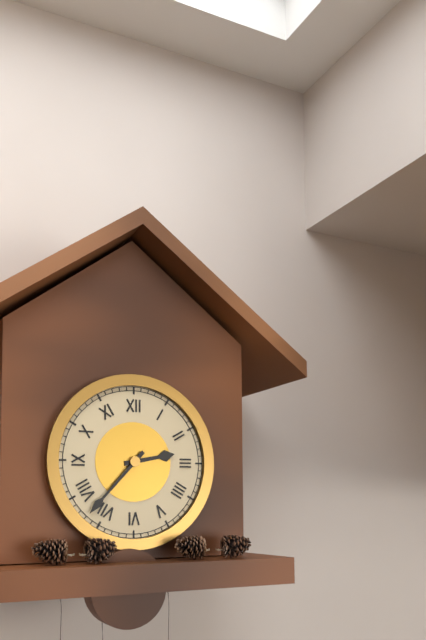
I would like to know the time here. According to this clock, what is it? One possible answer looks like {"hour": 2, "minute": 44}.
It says {"hour": 2, "minute": 37}
